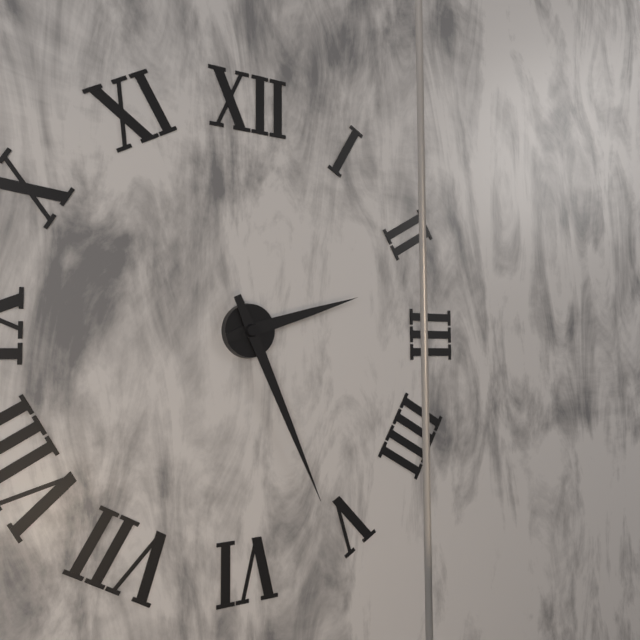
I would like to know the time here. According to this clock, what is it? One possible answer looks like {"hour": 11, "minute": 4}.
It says {"hour": 2, "minute": 26}
